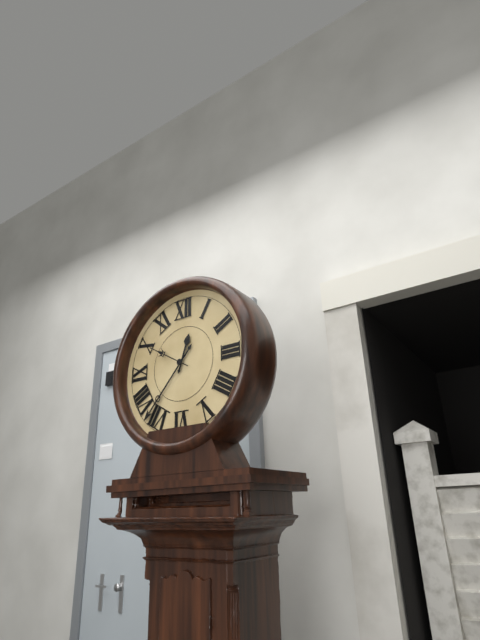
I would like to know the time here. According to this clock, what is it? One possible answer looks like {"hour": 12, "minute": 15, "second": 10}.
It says {"hour": 12, "minute": 37, "second": 50}
